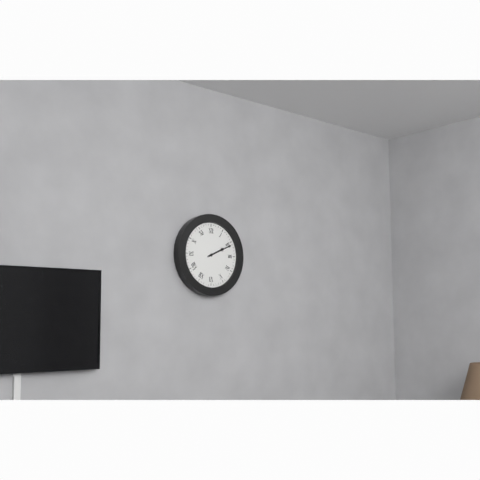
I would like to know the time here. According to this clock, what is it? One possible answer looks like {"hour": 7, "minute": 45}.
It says {"hour": 2, "minute": 11}
